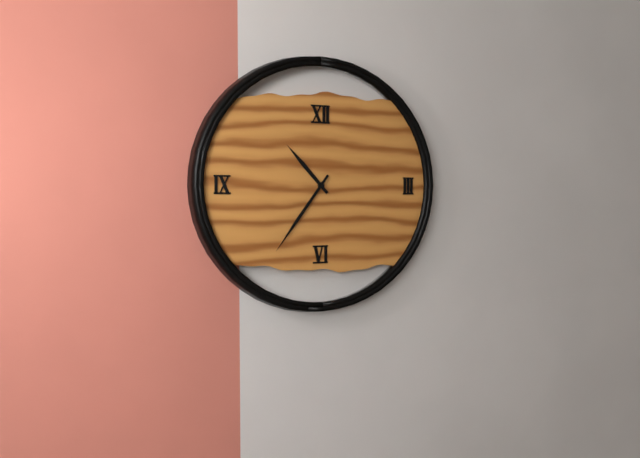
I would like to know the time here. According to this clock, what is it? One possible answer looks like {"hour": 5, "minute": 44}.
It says {"hour": 10, "minute": 36}
